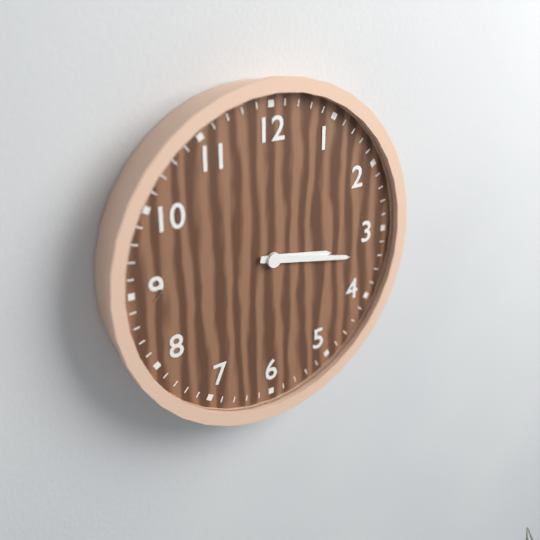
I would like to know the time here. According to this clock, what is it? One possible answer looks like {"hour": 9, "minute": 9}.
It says {"hour": 3, "minute": 17}
